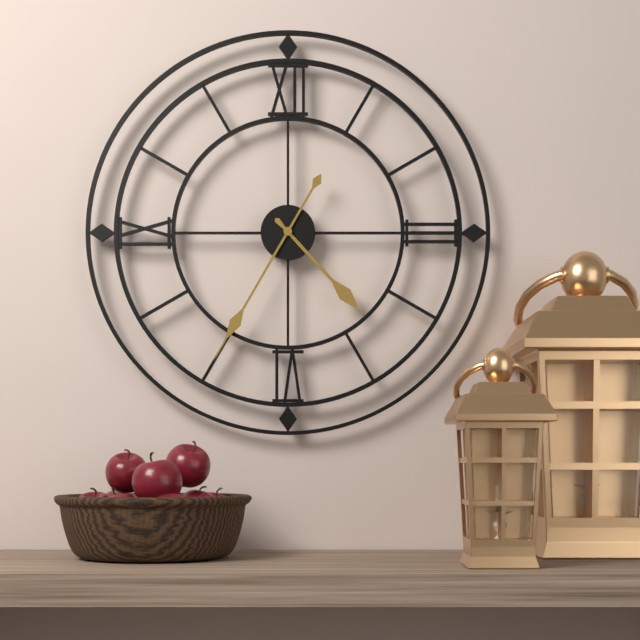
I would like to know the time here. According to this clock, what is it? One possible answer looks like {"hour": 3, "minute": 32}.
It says {"hour": 4, "minute": 35}
